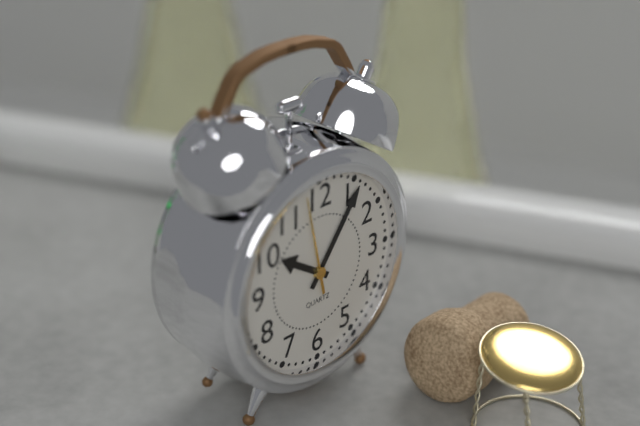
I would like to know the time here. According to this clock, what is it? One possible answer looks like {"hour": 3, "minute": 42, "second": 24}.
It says {"hour": 10, "minute": 6, "second": 58}
